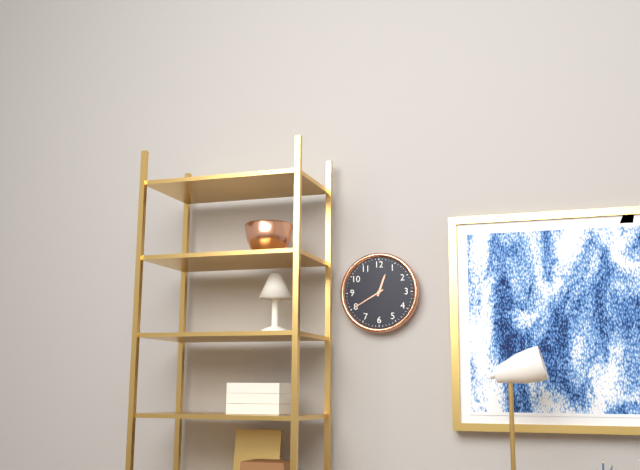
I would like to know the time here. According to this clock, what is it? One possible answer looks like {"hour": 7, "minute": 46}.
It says {"hour": 12, "minute": 40}
